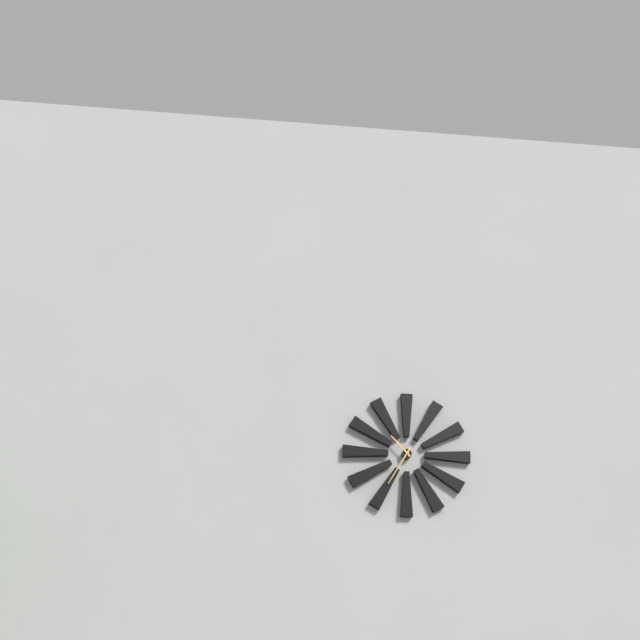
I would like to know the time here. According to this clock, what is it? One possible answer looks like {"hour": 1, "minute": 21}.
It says {"hour": 10, "minute": 35}
